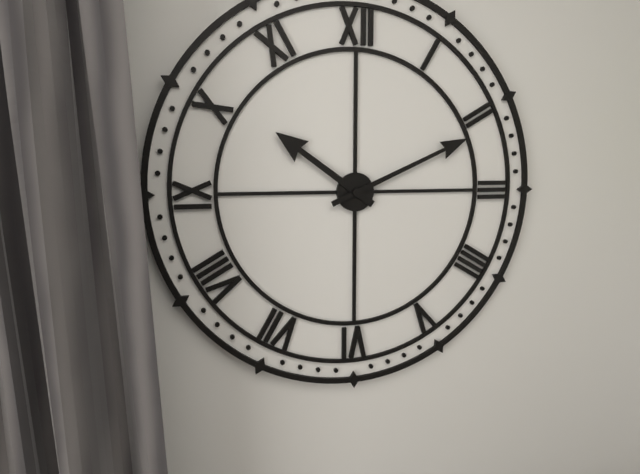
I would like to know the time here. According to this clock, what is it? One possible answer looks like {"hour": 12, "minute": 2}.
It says {"hour": 10, "minute": 11}
